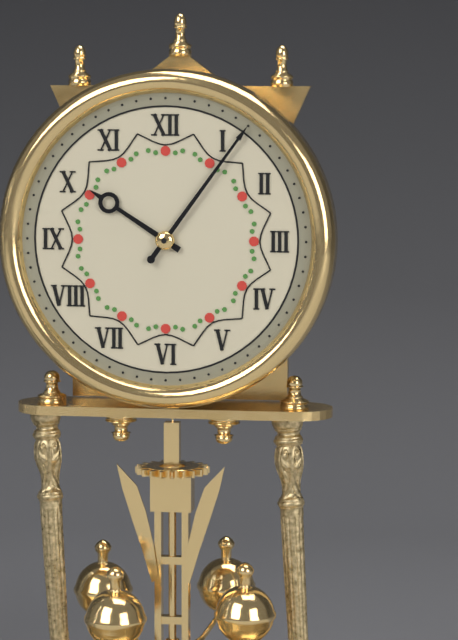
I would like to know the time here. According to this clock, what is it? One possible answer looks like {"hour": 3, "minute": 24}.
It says {"hour": 10, "minute": 6}
